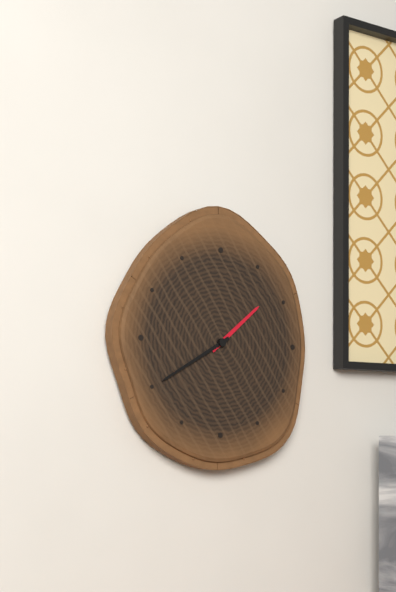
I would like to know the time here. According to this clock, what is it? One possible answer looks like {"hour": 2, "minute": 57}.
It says {"hour": 1, "minute": 40}
